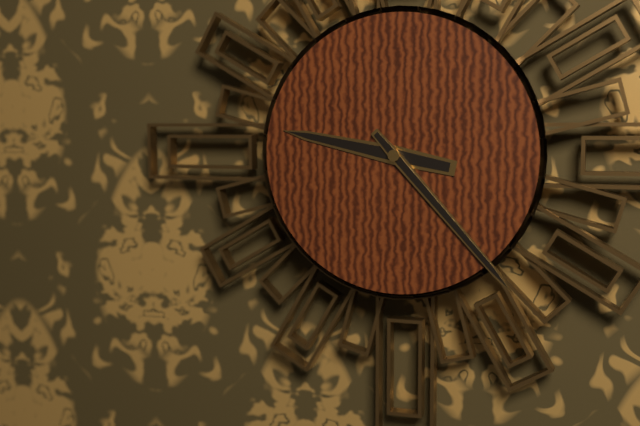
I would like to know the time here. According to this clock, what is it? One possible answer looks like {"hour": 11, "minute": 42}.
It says {"hour": 9, "minute": 23}
